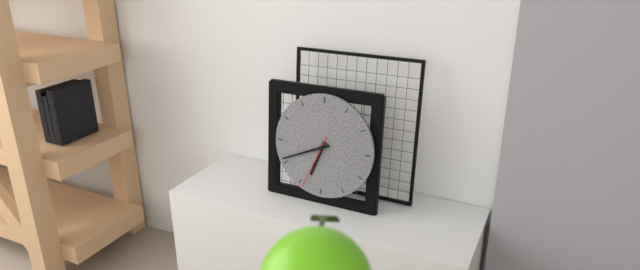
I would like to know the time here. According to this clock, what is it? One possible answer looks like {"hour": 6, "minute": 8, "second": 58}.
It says {"hour": 6, "minute": 41, "second": 34}
